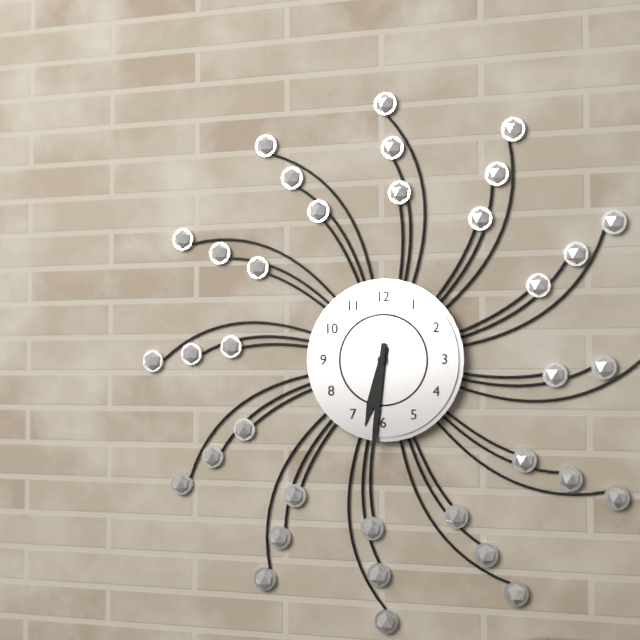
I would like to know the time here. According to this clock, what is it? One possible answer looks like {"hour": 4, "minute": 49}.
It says {"hour": 6, "minute": 31}
